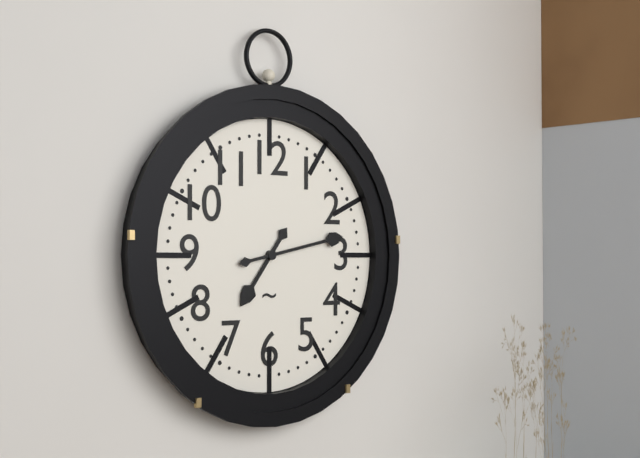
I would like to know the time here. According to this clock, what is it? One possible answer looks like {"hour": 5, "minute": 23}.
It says {"hour": 7, "minute": 13}
